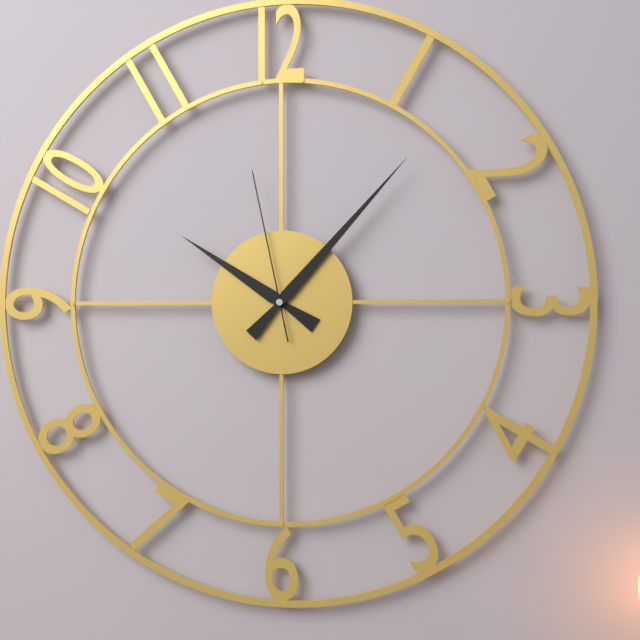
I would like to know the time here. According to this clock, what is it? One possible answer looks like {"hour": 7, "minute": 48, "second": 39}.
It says {"hour": 10, "minute": 7, "second": 58}
